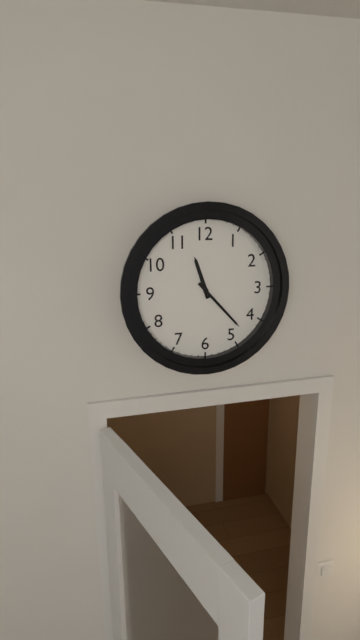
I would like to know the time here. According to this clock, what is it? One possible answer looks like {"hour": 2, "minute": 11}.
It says {"hour": 11, "minute": 23}
